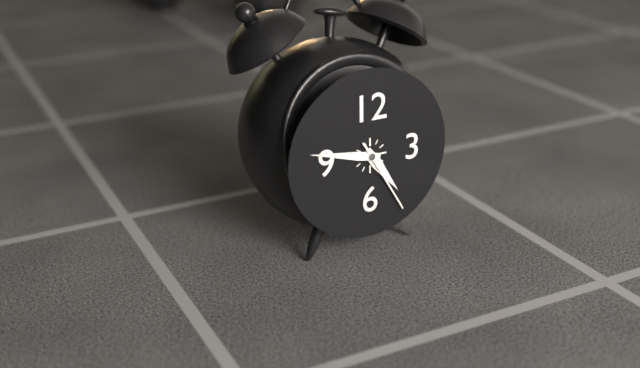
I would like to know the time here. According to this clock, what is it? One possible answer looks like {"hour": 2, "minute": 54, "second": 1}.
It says {"hour": 4, "minute": 47, "second": 25}
